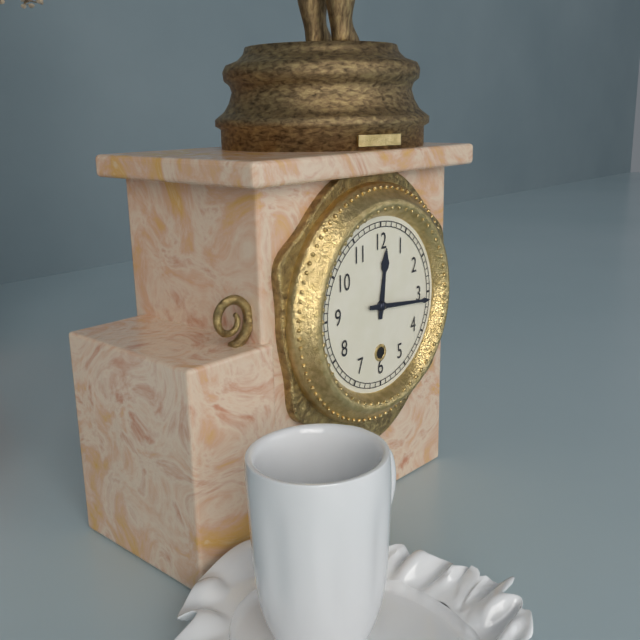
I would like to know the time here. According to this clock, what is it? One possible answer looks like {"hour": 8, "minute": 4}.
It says {"hour": 12, "minute": 16}
